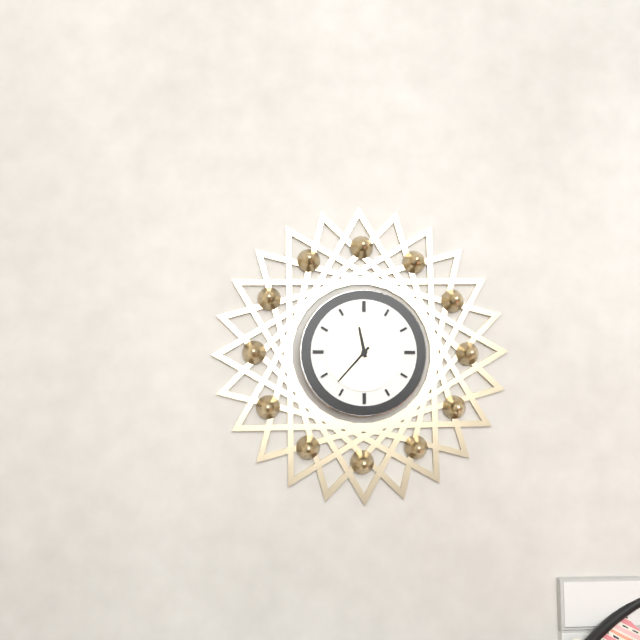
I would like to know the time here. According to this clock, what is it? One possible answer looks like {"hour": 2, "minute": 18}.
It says {"hour": 11, "minute": 37}
